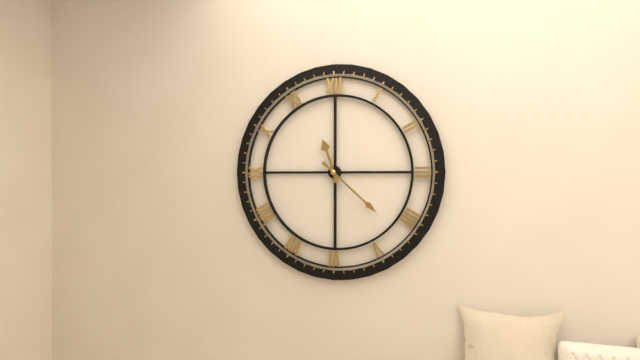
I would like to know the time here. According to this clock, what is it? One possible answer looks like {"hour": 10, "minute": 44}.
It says {"hour": 11, "minute": 22}
